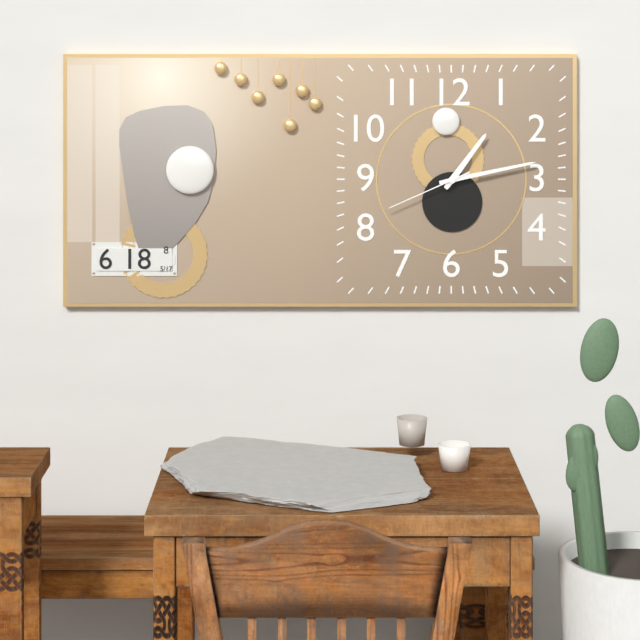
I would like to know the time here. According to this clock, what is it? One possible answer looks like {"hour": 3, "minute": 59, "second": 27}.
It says {"hour": 1, "minute": 13, "second": 41}
